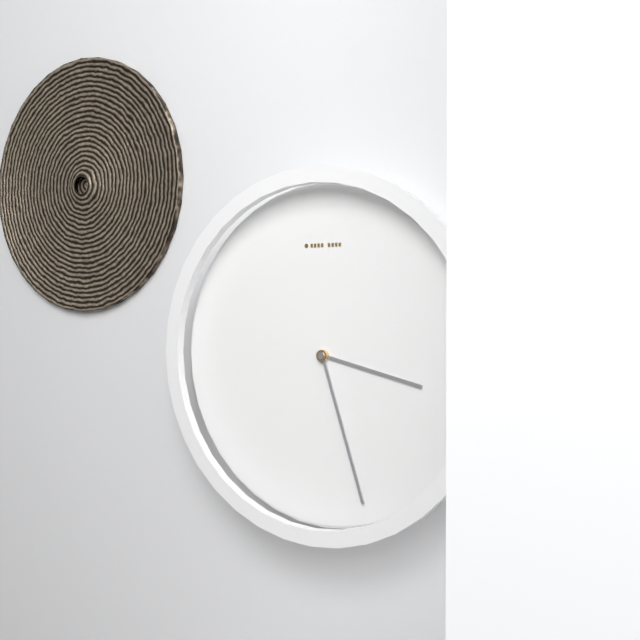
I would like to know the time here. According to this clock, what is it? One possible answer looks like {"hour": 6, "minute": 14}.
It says {"hour": 3, "minute": 27}
